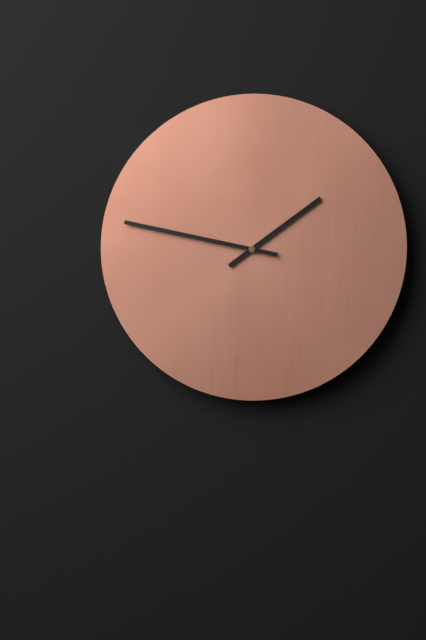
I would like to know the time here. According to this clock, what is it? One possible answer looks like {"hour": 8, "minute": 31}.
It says {"hour": 1, "minute": 47}
